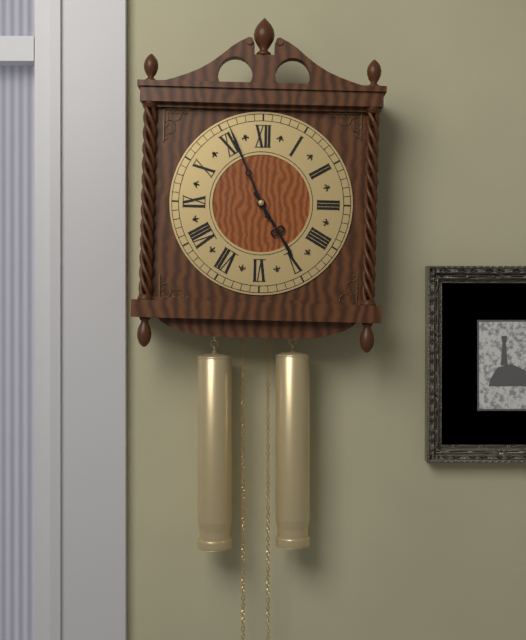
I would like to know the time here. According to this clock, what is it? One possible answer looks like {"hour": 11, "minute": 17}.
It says {"hour": 4, "minute": 56}
